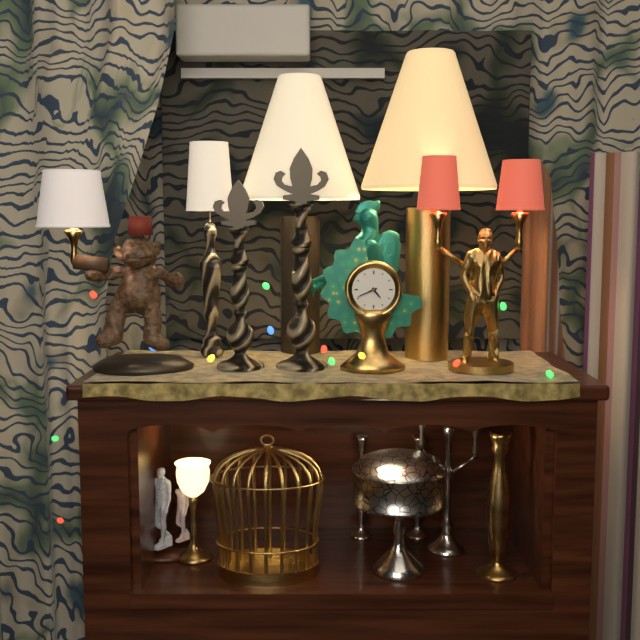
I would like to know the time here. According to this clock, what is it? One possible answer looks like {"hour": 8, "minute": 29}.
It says {"hour": 4, "minute": 41}
